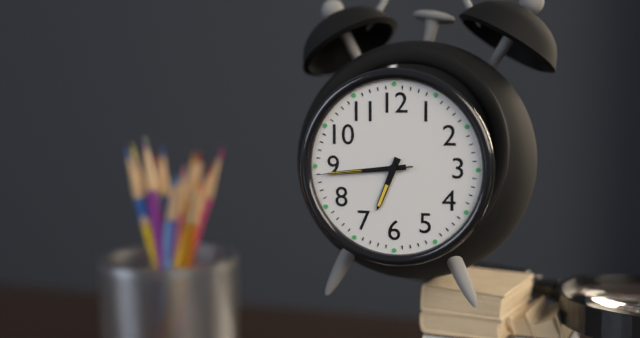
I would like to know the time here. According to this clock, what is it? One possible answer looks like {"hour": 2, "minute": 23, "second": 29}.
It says {"hour": 6, "minute": 44, "second": 44}
